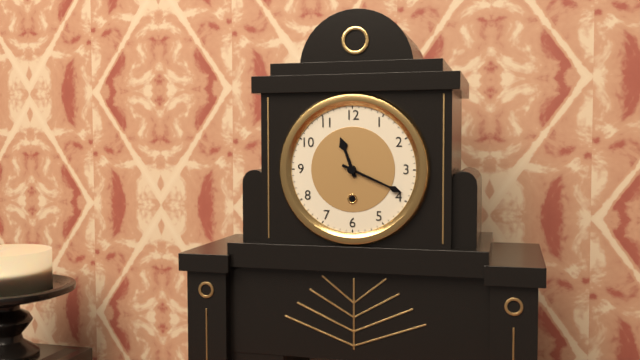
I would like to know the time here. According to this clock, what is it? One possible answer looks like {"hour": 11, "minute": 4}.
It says {"hour": 11, "minute": 19}
